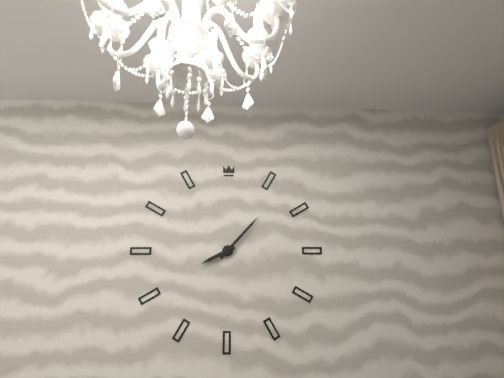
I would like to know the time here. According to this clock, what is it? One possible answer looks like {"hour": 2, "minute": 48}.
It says {"hour": 8, "minute": 7}
